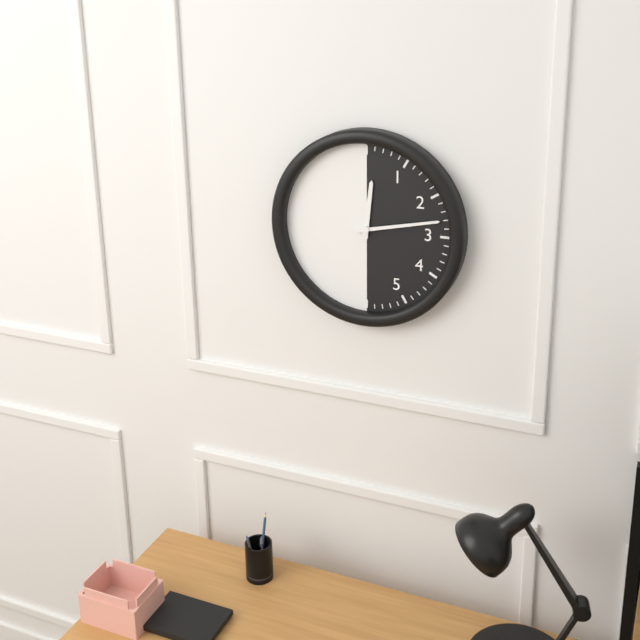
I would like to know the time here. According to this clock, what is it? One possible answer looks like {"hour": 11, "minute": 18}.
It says {"hour": 12, "minute": 13}
